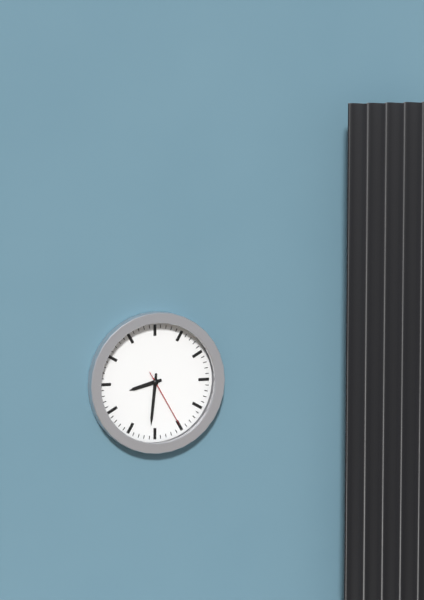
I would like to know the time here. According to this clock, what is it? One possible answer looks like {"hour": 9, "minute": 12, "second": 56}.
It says {"hour": 8, "minute": 31, "second": 25}
